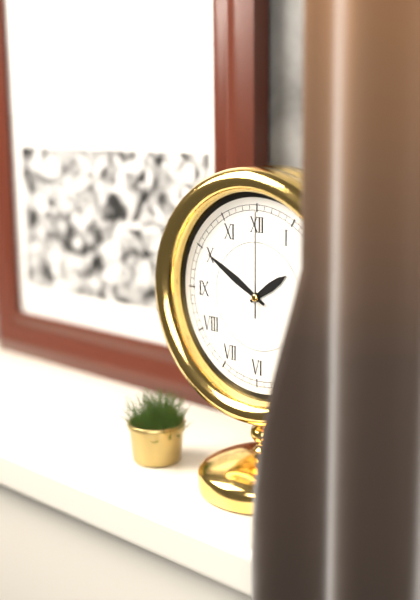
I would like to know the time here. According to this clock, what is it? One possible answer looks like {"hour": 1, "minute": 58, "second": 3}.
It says {"hour": 1, "minute": 50, "second": 0}
